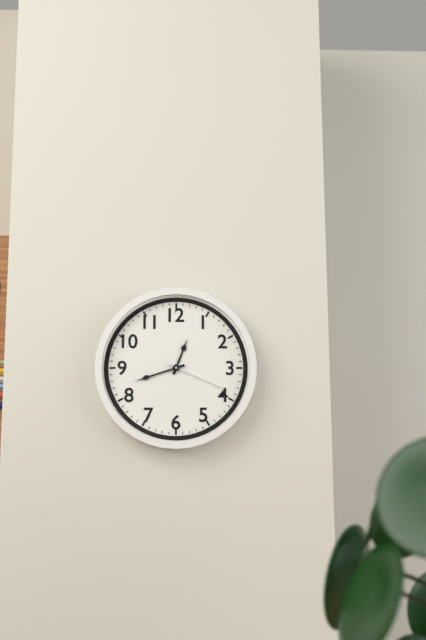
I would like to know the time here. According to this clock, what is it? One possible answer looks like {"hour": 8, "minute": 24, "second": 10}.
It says {"hour": 12, "minute": 42, "second": 19}
